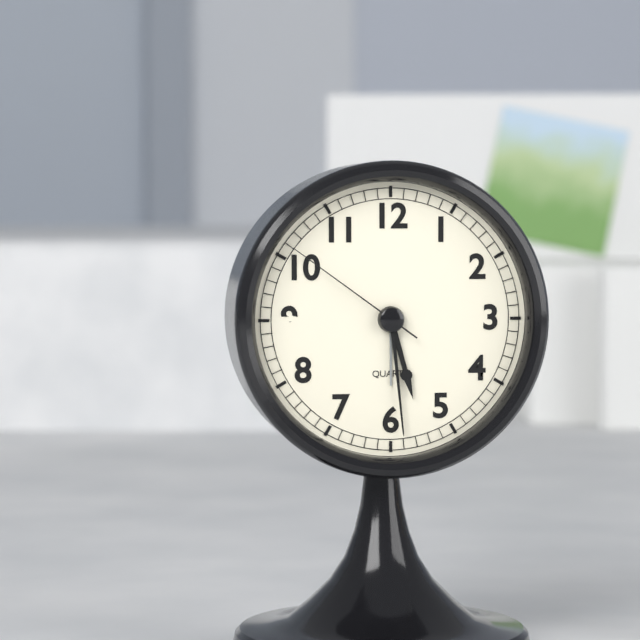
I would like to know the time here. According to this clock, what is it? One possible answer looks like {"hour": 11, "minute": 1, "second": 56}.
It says {"hour": 5, "minute": 29, "second": 51}
